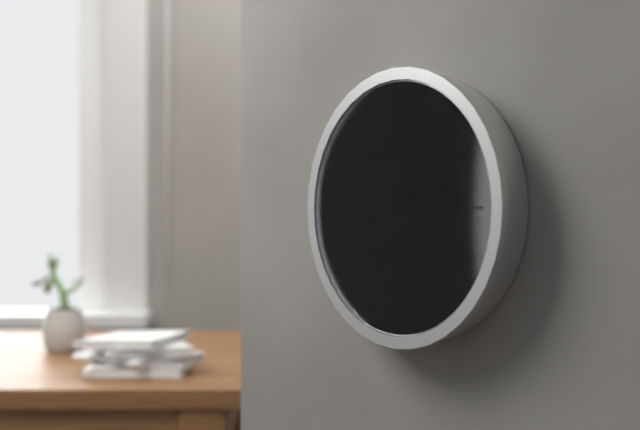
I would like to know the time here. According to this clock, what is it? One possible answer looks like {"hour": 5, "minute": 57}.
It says {"hour": 7, "minute": 32}
